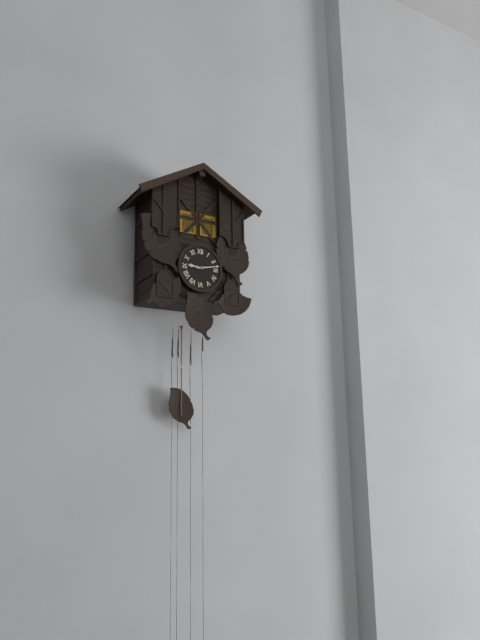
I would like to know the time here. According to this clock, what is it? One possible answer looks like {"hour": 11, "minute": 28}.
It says {"hour": 9, "minute": 13}
